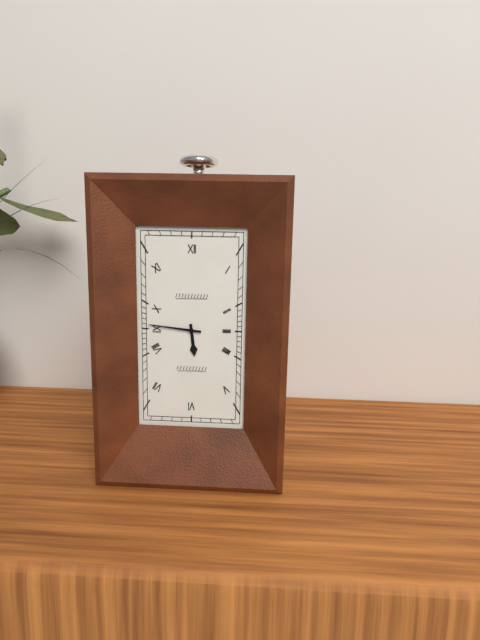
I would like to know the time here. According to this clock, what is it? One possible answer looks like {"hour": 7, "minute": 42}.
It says {"hour": 5, "minute": 46}
